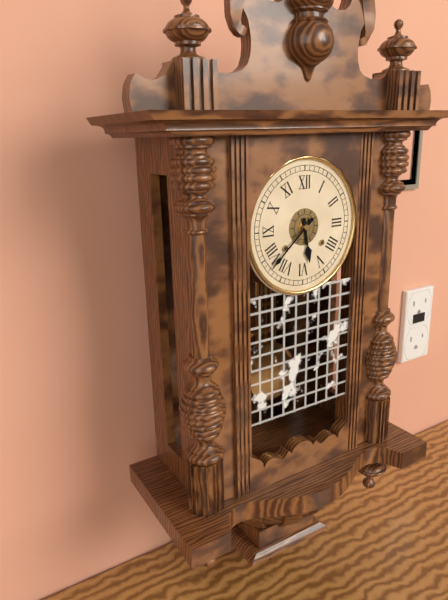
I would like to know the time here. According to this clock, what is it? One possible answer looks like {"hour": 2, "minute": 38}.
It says {"hour": 5, "minute": 38}
